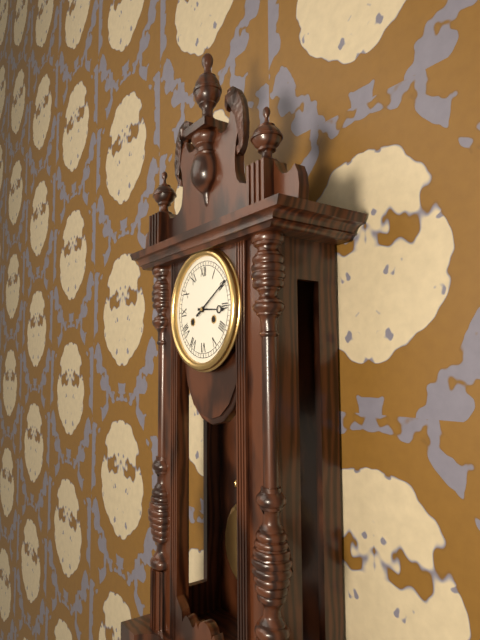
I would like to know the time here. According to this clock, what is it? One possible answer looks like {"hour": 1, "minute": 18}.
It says {"hour": 3, "minute": 10}
